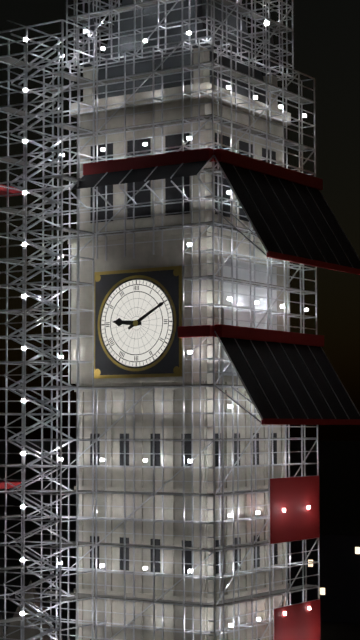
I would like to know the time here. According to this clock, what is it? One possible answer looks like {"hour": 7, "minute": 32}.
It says {"hour": 9, "minute": 10}
